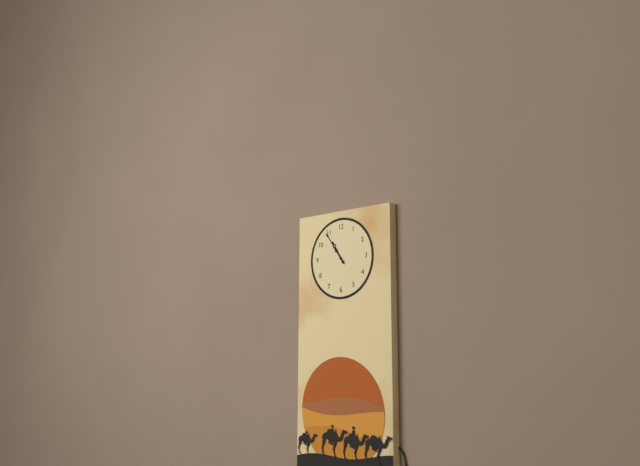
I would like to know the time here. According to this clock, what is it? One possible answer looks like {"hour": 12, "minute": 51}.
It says {"hour": 10, "minute": 54}
